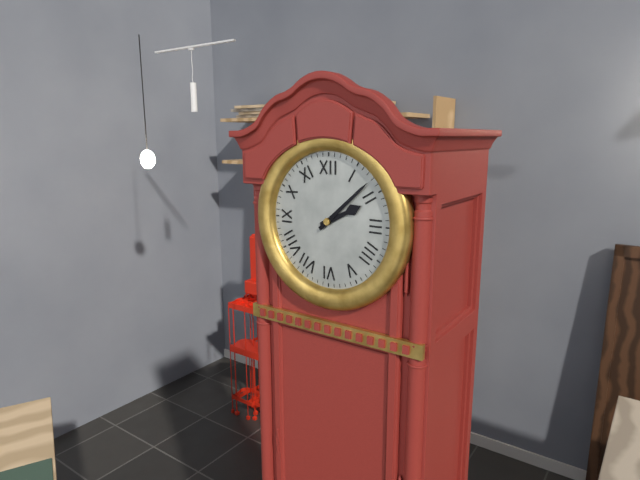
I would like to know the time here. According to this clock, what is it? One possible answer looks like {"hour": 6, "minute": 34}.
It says {"hour": 2, "minute": 8}
